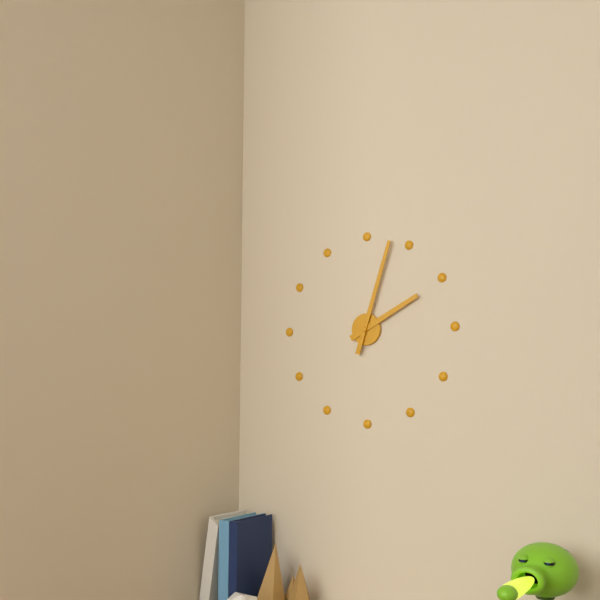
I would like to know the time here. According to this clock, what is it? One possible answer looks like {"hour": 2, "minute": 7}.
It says {"hour": 2, "minute": 3}
